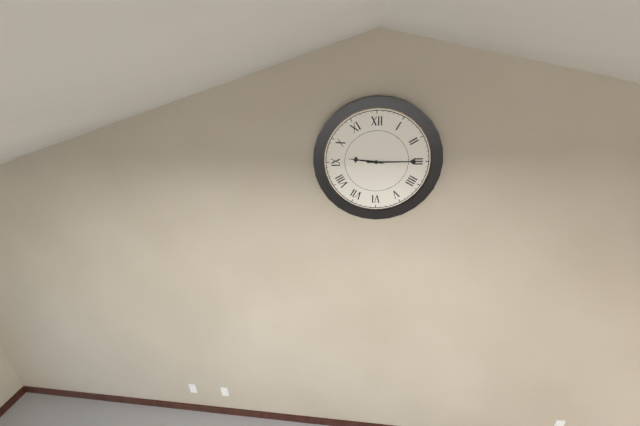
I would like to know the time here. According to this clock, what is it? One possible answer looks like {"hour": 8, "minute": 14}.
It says {"hour": 9, "minute": 15}
